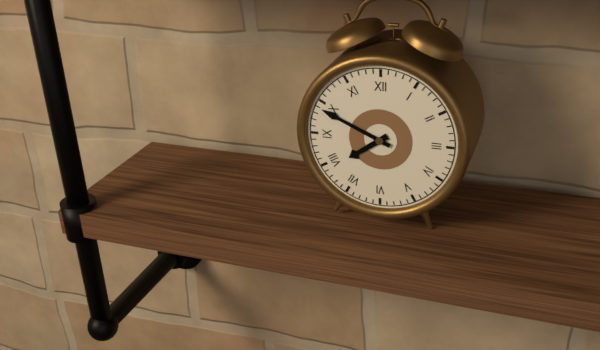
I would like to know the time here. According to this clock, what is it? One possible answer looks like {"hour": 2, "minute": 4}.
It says {"hour": 7, "minute": 49}
